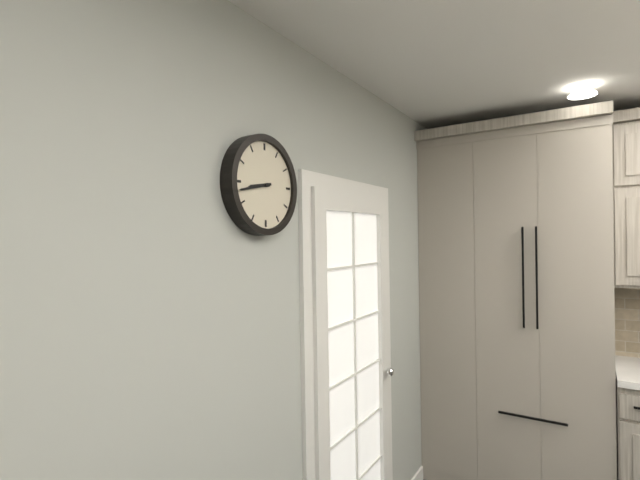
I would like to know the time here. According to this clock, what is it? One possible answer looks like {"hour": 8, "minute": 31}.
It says {"hour": 8, "minute": 43}
